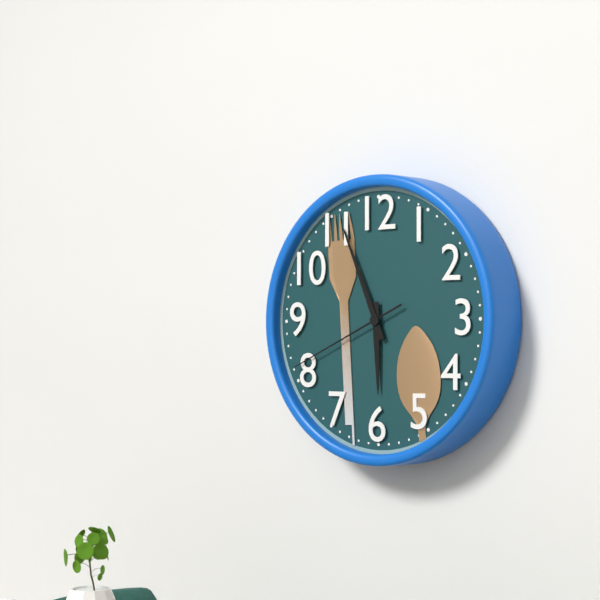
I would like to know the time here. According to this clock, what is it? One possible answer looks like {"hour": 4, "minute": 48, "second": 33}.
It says {"hour": 5, "minute": 56, "second": 41}
